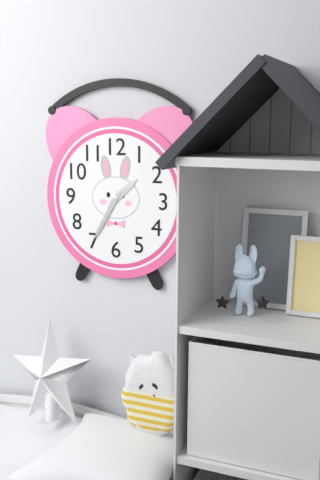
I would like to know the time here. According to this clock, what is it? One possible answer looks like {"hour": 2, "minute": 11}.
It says {"hour": 1, "minute": 35}
